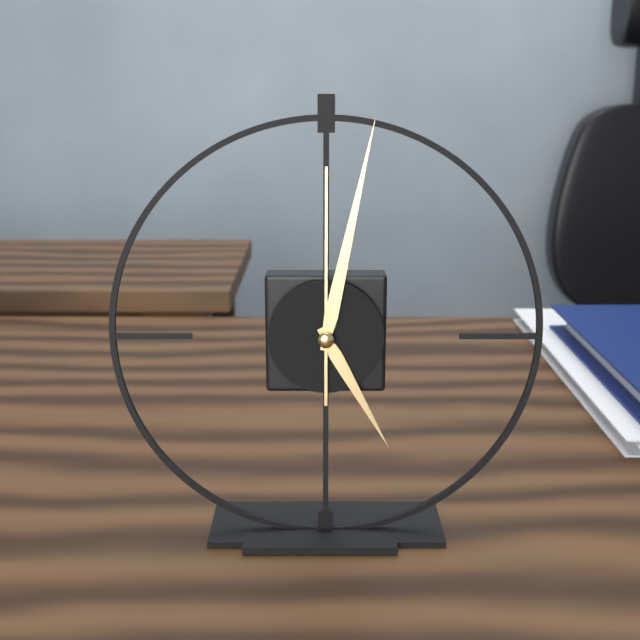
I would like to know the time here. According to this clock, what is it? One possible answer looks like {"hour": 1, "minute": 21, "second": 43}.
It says {"hour": 5, "minute": 2, "second": 0}
